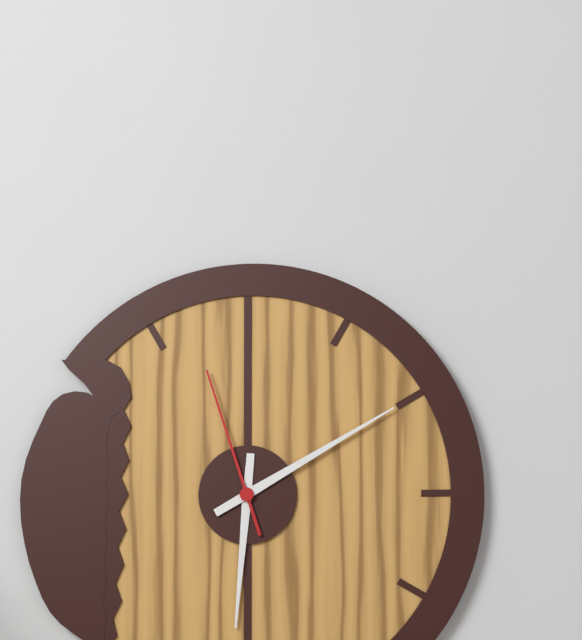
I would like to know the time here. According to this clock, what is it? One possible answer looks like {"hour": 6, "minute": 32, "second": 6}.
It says {"hour": 6, "minute": 10, "second": 57}
